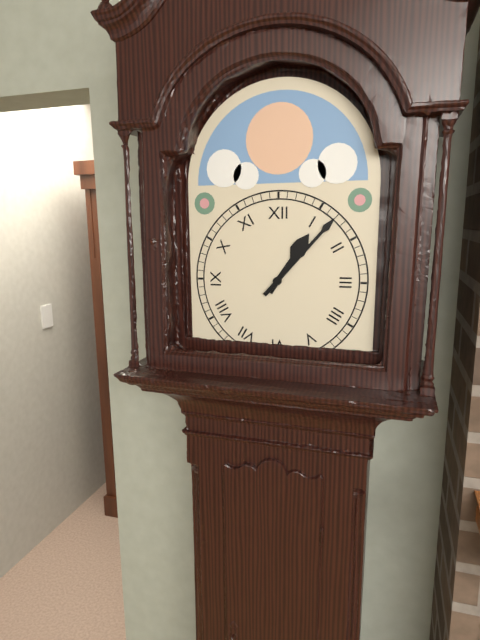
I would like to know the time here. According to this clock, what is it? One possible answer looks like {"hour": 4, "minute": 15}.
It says {"hour": 1, "minute": 7}
